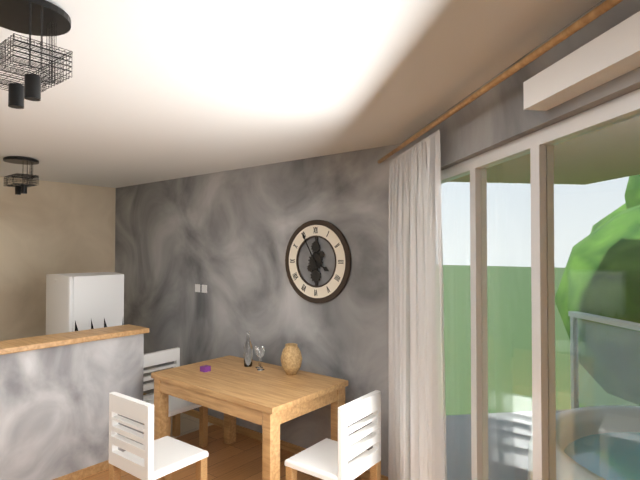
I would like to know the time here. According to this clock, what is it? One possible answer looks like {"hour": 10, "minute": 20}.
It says {"hour": 3, "minute": 55}
